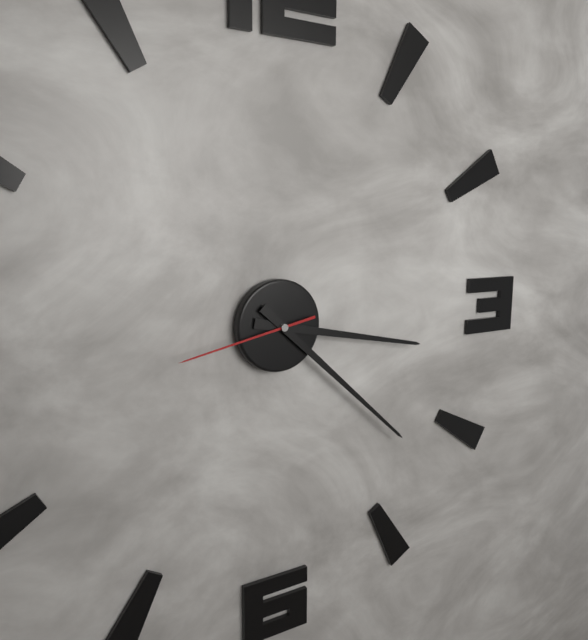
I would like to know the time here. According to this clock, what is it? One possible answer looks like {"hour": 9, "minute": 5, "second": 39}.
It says {"hour": 3, "minute": 22, "second": 43}
